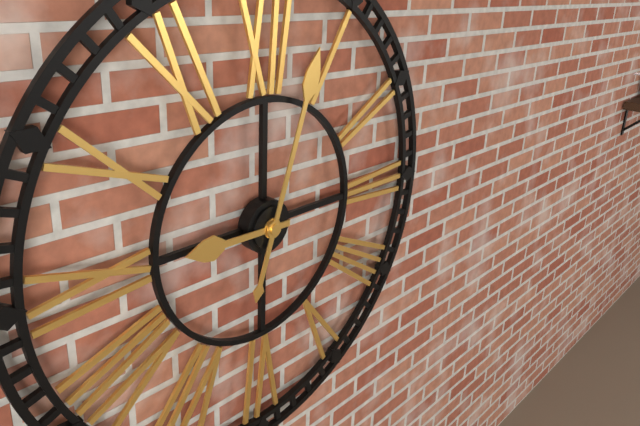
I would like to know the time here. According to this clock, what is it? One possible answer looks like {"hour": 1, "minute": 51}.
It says {"hour": 9, "minute": 3}
